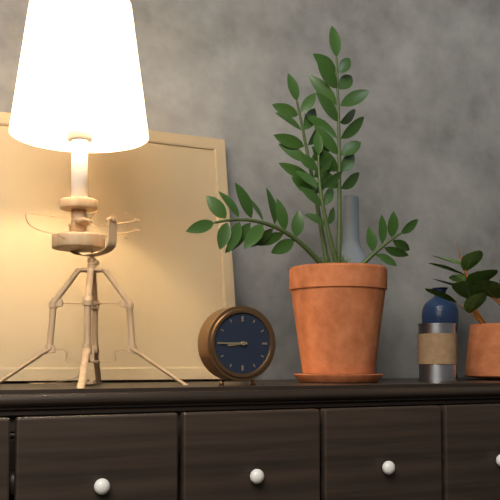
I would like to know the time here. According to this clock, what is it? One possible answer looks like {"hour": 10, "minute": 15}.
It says {"hour": 8, "minute": 45}
